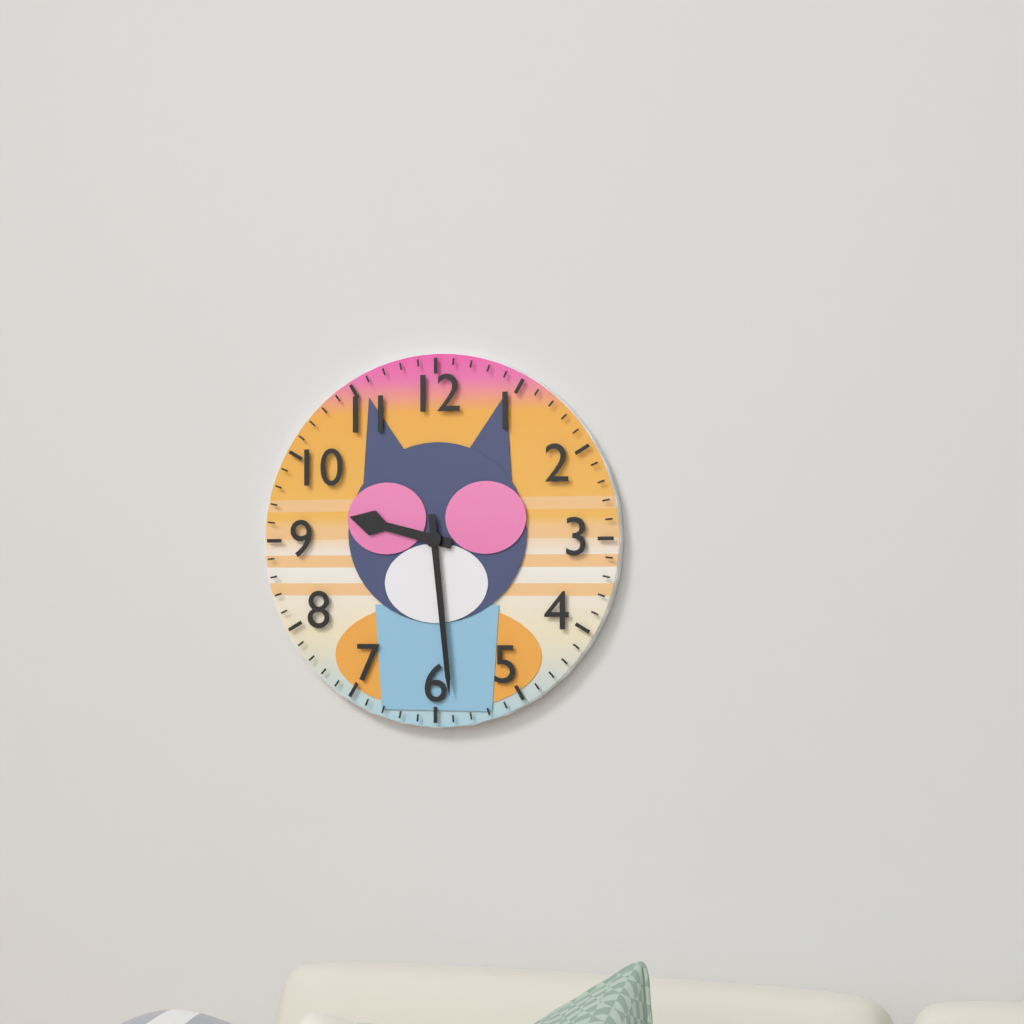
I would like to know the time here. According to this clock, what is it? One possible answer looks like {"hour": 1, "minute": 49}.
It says {"hour": 9, "minute": 29}
